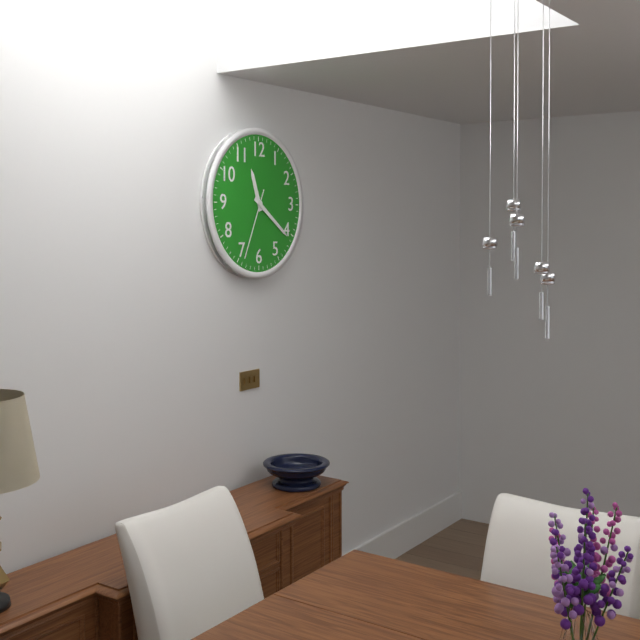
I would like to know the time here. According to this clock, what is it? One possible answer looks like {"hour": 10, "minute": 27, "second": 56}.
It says {"hour": 11, "minute": 21, "second": 34}
